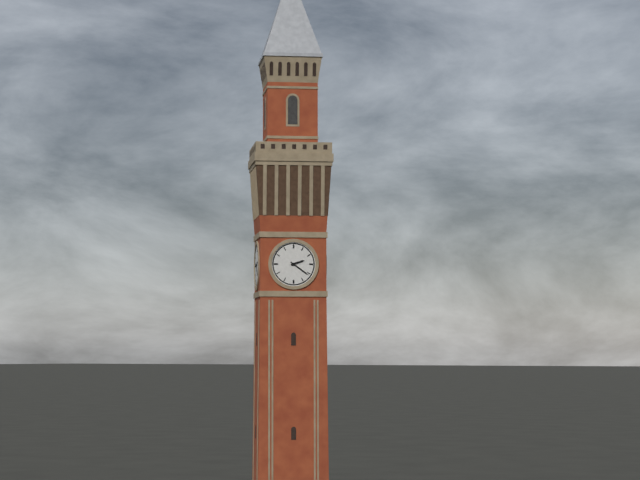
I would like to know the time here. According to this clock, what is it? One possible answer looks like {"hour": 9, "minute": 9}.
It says {"hour": 2, "minute": 21}
